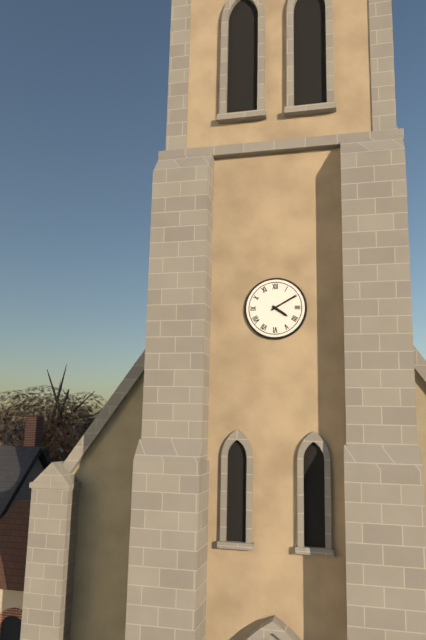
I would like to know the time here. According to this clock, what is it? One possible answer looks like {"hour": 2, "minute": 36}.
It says {"hour": 4, "minute": 10}
